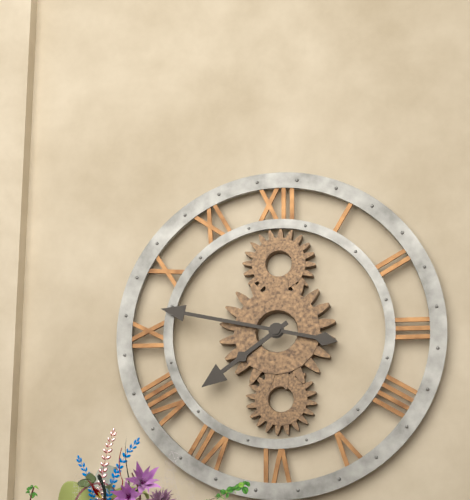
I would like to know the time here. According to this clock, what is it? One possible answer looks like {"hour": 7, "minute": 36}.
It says {"hour": 7, "minute": 47}
